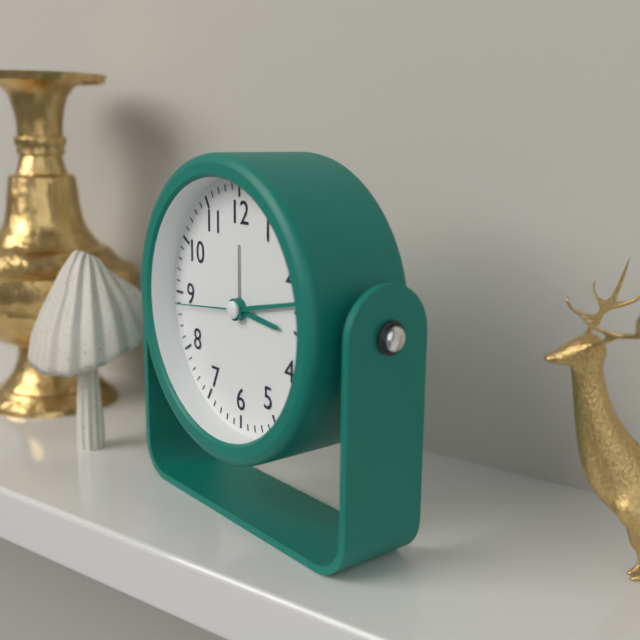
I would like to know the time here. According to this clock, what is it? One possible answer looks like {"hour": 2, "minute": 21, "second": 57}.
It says {"hour": 3, "minute": 13, "second": 44}
